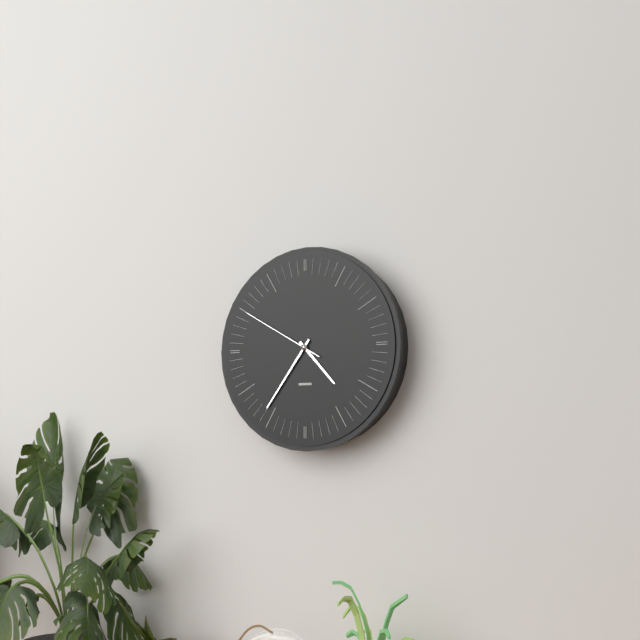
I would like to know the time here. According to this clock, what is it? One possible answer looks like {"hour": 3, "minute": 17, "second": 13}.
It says {"hour": 4, "minute": 36, "second": 50}
